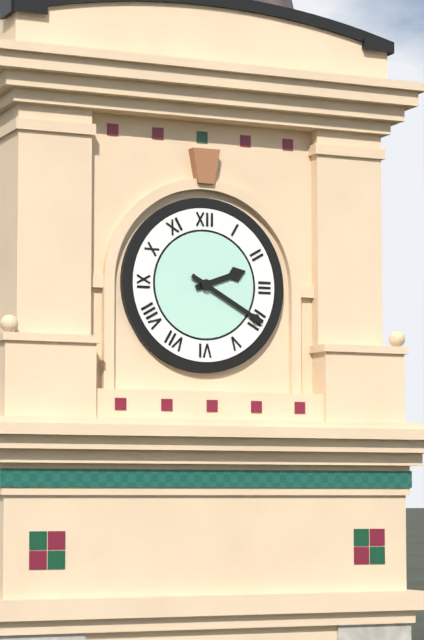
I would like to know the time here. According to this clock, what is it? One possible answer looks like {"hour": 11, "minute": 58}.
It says {"hour": 2, "minute": 20}
